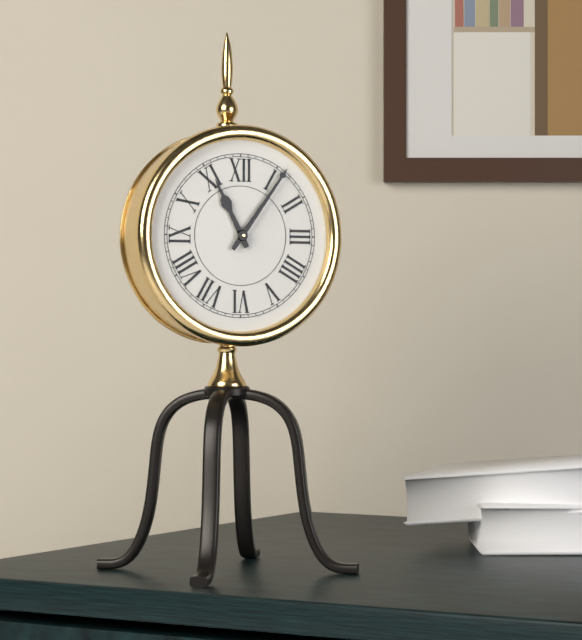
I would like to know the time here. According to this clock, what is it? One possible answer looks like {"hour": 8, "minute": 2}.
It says {"hour": 11, "minute": 6}
